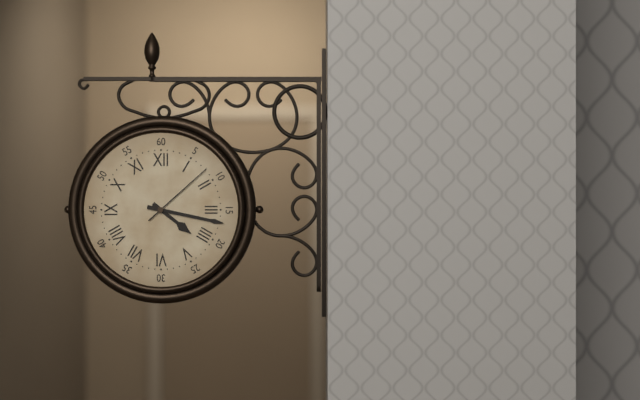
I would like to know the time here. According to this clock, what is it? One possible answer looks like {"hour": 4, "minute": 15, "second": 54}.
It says {"hour": 4, "minute": 17, "second": 8}
